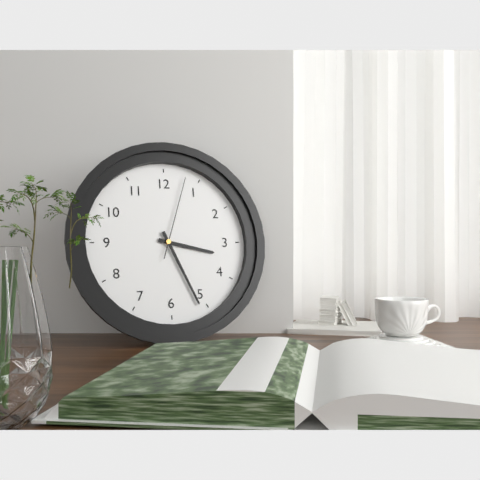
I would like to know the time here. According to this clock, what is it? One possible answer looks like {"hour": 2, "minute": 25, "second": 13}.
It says {"hour": 3, "minute": 26, "second": 3}
